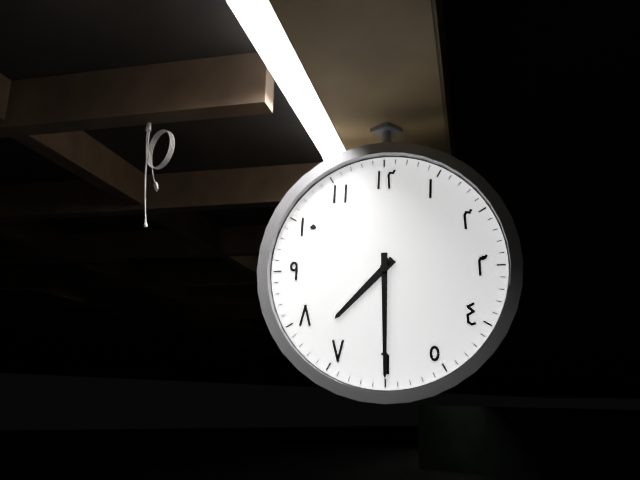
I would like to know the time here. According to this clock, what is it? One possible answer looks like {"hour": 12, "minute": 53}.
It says {"hour": 7, "minute": 30}
